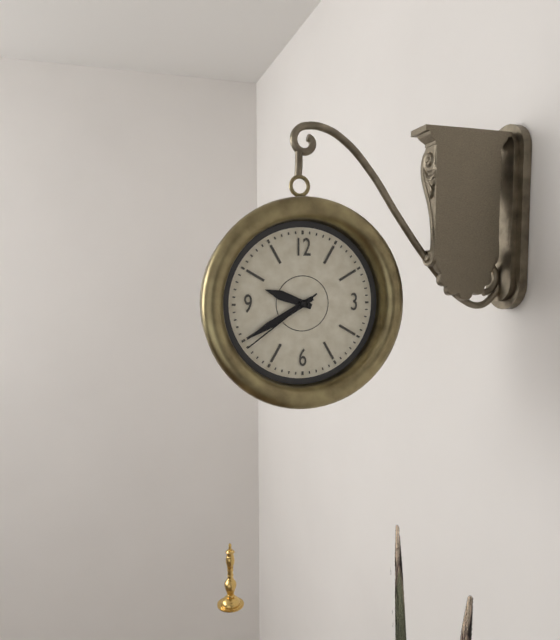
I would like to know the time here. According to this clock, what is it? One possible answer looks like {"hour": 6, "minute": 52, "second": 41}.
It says {"hour": 9, "minute": 40, "second": 39}
